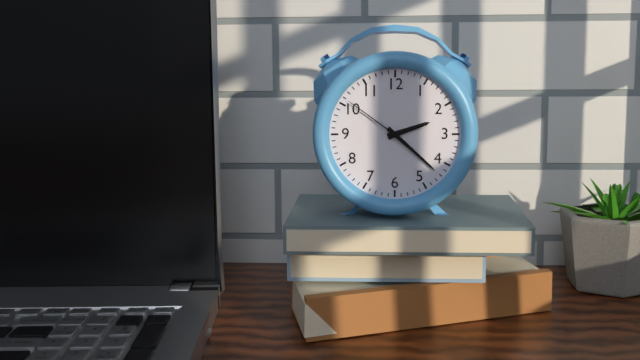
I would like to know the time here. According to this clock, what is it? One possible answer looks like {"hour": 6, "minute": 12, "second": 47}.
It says {"hour": 2, "minute": 22, "second": 51}
